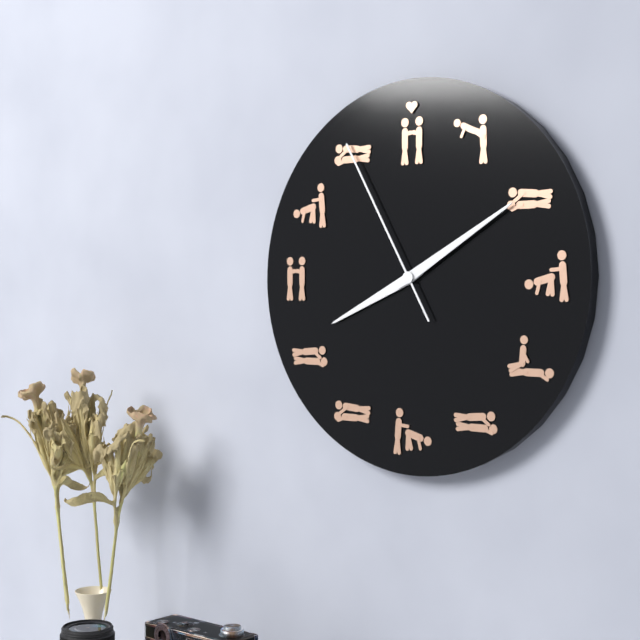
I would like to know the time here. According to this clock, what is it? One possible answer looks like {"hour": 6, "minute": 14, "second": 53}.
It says {"hour": 8, "minute": 10, "second": 55}
